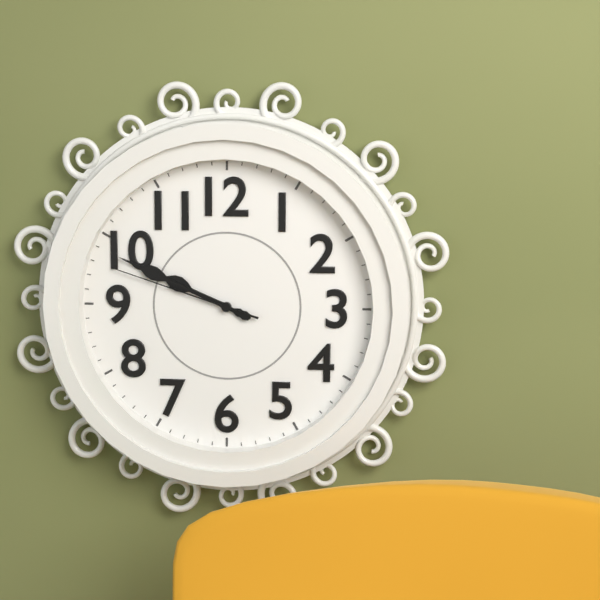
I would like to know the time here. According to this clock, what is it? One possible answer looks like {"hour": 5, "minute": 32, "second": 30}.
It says {"hour": 9, "minute": 49, "second": 48}
